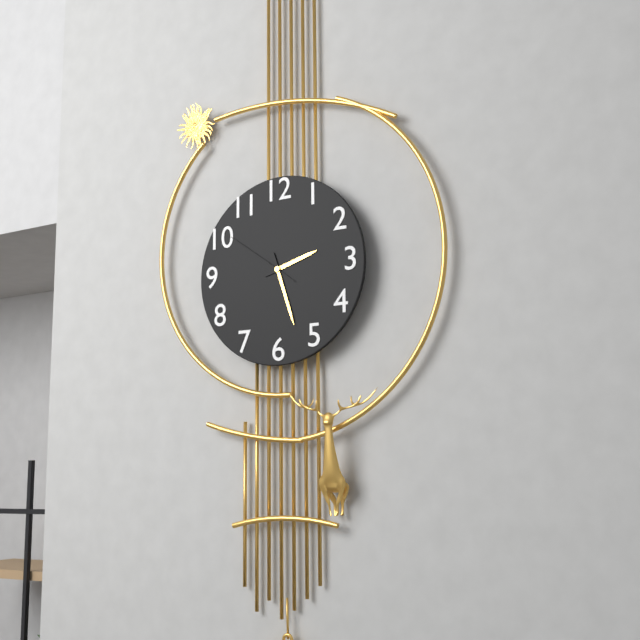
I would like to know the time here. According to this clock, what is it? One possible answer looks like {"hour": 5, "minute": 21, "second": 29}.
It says {"hour": 2, "minute": 27, "second": 51}
